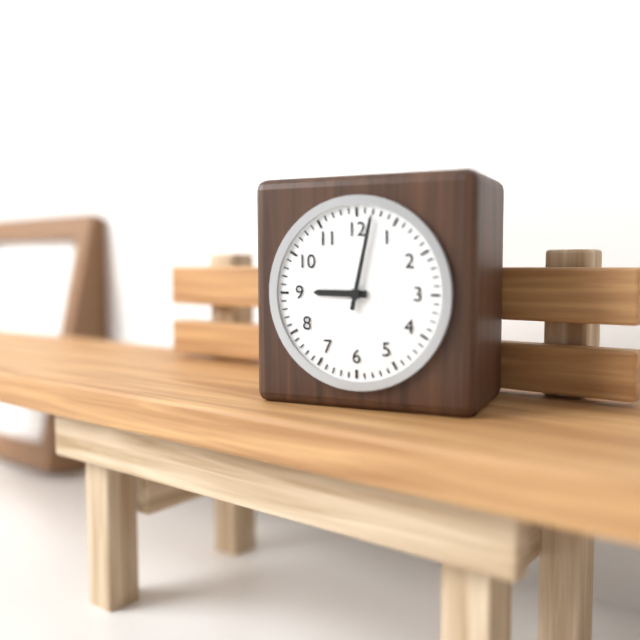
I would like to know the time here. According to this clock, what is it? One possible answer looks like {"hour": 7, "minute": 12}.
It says {"hour": 9, "minute": 2}
